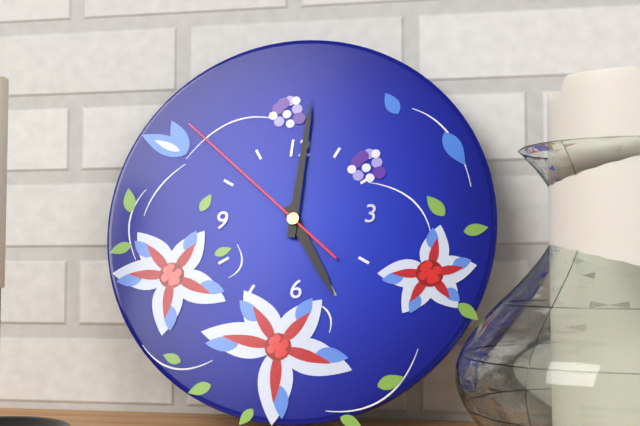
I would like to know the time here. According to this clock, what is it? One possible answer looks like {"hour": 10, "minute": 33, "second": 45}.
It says {"hour": 5, "minute": 1, "second": 52}
